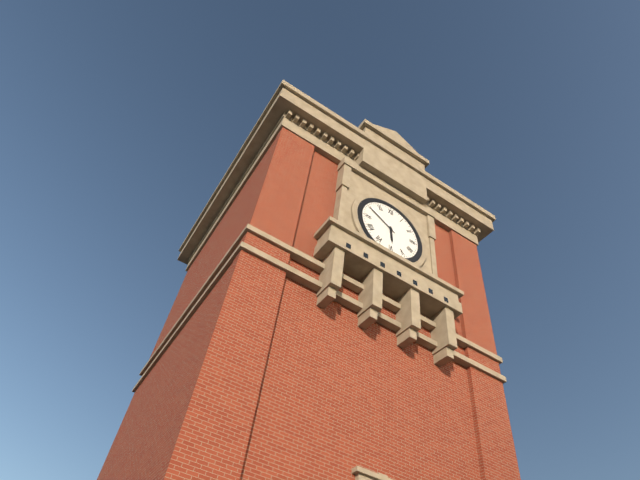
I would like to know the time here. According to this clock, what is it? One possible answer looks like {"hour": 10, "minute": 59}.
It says {"hour": 5, "minute": 50}
